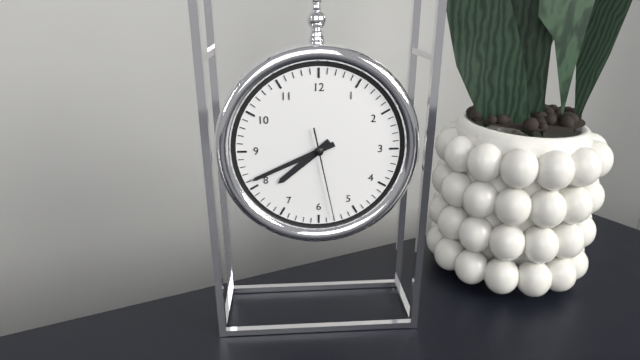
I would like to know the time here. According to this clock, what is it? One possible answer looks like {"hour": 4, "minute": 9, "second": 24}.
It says {"hour": 7, "minute": 41, "second": 28}
